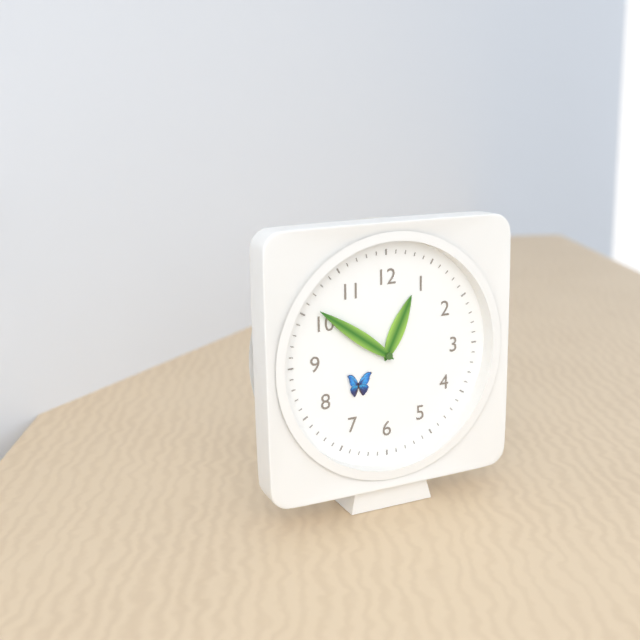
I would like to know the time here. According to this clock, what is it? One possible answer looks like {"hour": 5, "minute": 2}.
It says {"hour": 12, "minute": 51}
